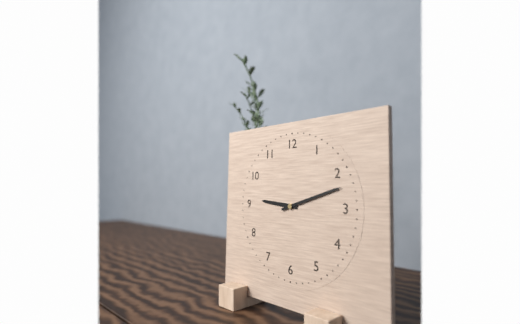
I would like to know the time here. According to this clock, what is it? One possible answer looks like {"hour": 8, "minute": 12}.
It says {"hour": 9, "minute": 12}
